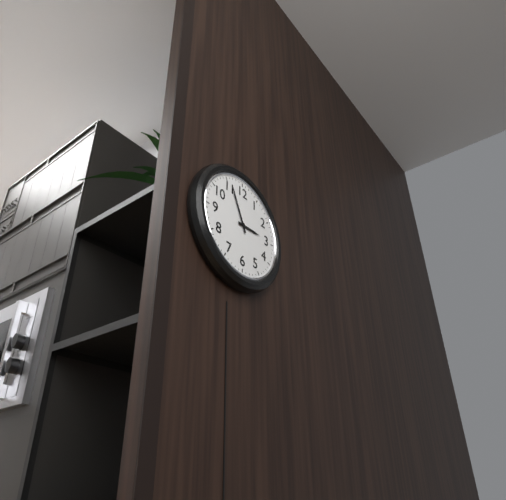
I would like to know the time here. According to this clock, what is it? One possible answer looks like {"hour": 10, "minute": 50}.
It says {"hour": 2, "minute": 56}
